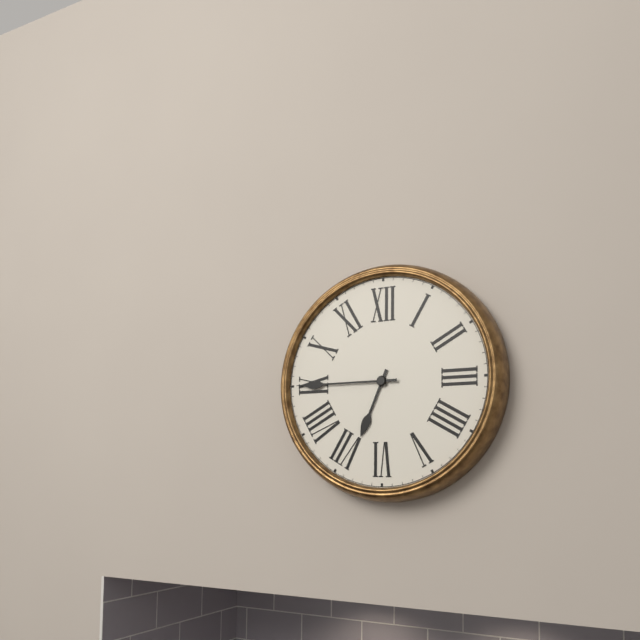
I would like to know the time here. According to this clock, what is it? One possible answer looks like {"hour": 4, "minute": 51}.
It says {"hour": 6, "minute": 45}
